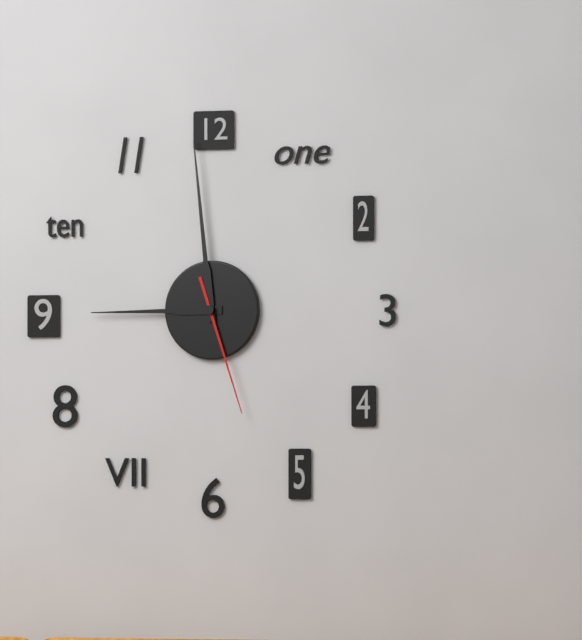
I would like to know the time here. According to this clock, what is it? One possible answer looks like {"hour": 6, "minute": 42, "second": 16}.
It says {"hour": 8, "minute": 59, "second": 27}
